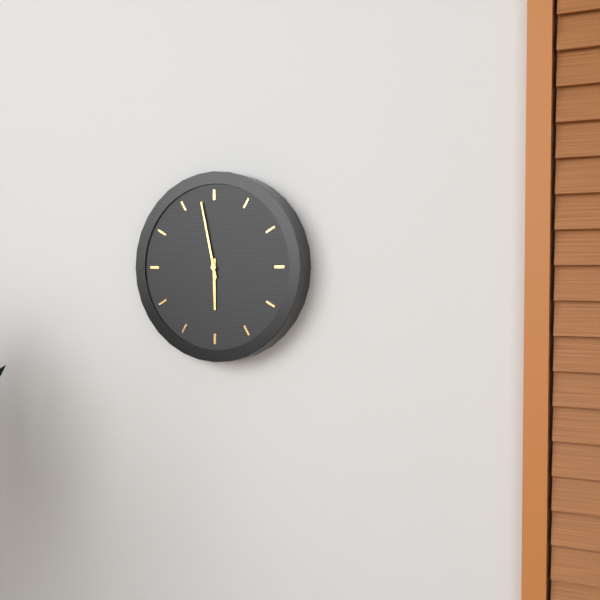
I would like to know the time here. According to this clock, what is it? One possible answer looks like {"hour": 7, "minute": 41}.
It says {"hour": 5, "minute": 58}
